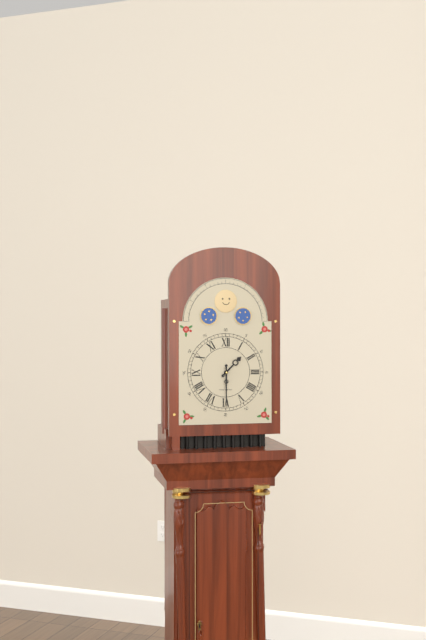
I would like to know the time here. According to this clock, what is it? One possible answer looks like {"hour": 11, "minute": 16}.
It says {"hour": 1, "minute": 30}
